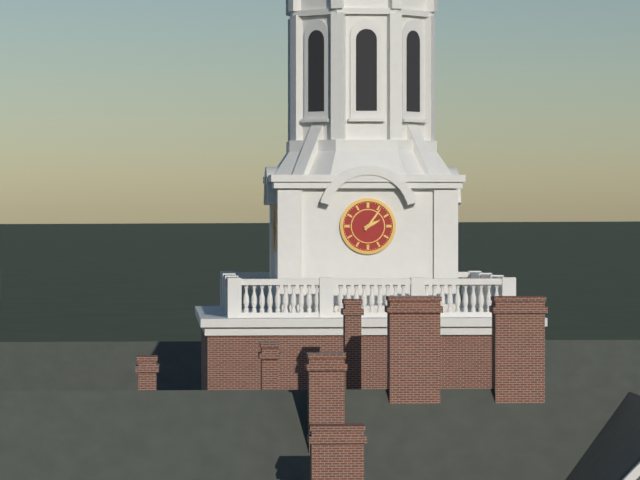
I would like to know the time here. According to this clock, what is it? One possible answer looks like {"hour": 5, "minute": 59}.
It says {"hour": 2, "minute": 6}
